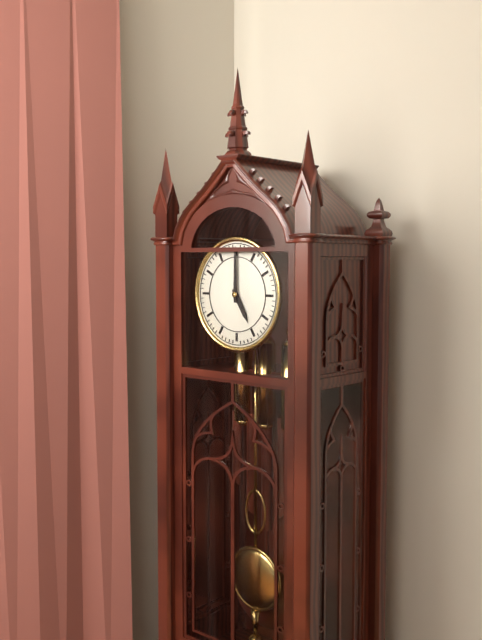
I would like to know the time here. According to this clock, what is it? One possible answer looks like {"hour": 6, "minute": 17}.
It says {"hour": 5, "minute": 0}
